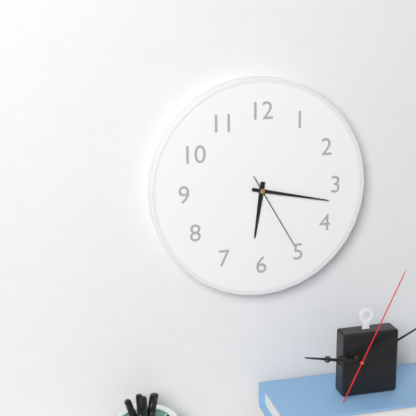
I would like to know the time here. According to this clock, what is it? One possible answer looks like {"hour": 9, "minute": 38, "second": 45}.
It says {"hour": 6, "minute": 17, "second": 25}
